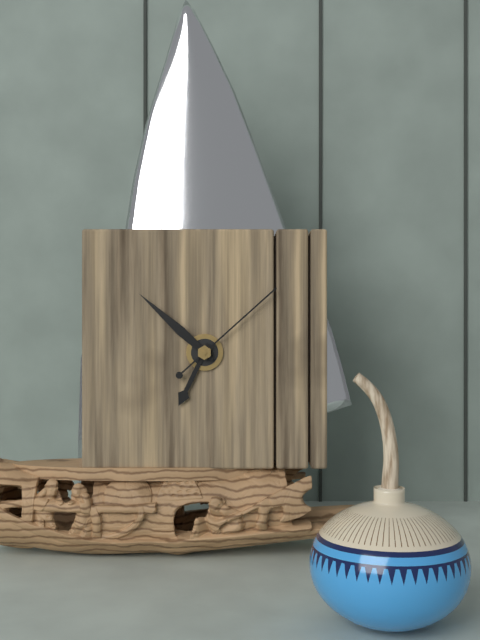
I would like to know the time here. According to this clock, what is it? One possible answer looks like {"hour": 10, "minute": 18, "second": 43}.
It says {"hour": 6, "minute": 52, "second": 8}
